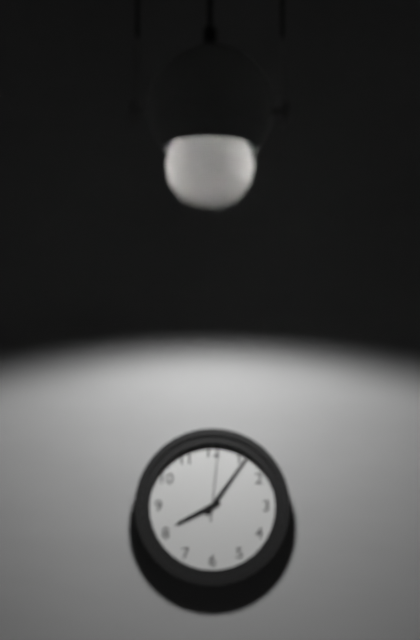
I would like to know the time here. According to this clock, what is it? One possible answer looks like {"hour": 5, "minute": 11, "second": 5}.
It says {"hour": 8, "minute": 6, "second": 1}
